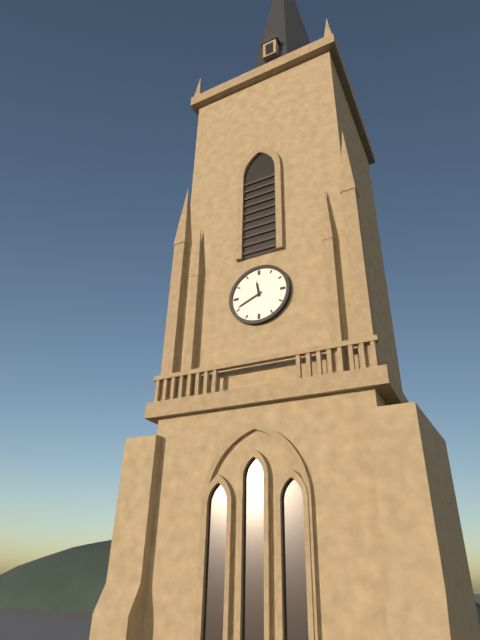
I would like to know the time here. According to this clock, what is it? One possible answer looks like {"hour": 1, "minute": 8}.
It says {"hour": 11, "minute": 41}
